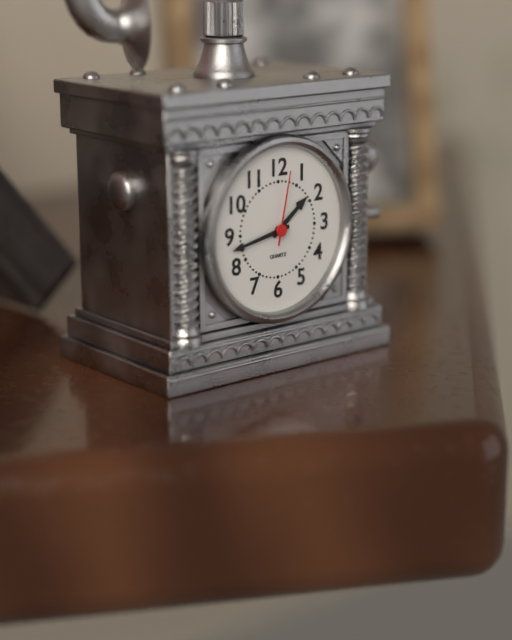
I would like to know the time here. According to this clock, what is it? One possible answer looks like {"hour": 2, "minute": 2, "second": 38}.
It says {"hour": 1, "minute": 43, "second": 2}
